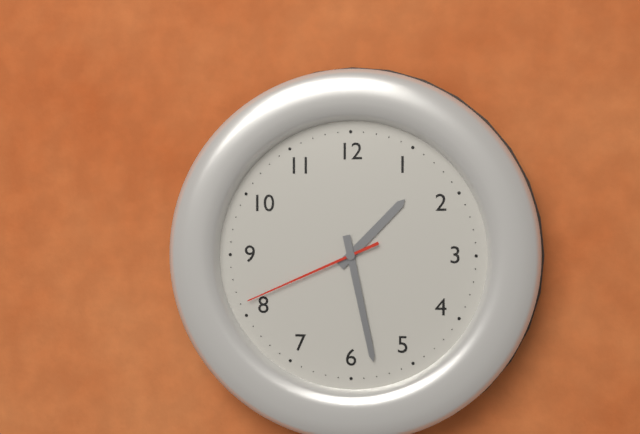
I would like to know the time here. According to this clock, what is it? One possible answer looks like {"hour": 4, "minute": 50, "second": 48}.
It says {"hour": 1, "minute": 28, "second": 41}
